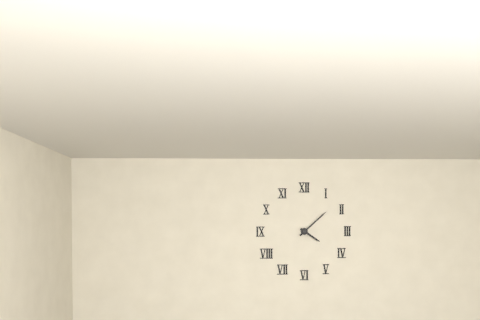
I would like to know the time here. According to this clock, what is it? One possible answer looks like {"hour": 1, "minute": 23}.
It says {"hour": 4, "minute": 8}
